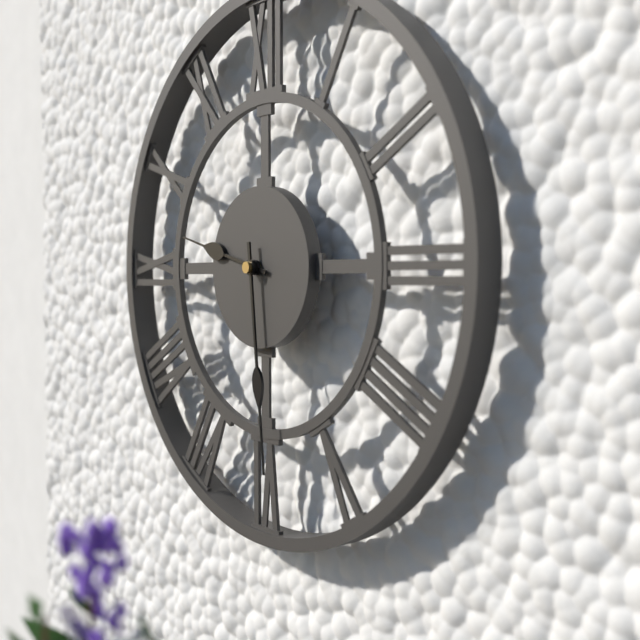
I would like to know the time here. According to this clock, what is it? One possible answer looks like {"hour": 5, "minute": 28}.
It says {"hour": 9, "minute": 29}
